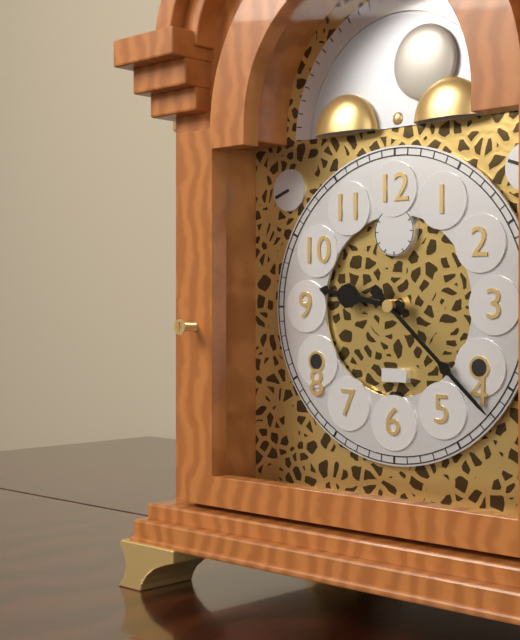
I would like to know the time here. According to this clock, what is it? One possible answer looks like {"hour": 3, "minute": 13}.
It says {"hour": 9, "minute": 22}
